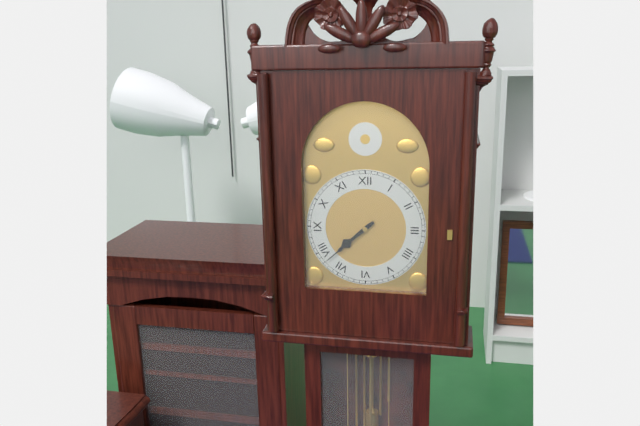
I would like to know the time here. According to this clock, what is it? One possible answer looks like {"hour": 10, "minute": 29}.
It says {"hour": 7, "minute": 38}
